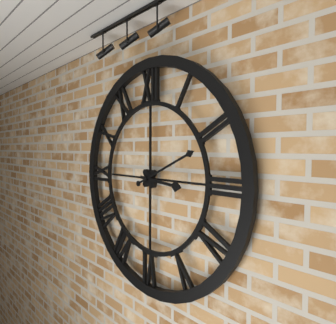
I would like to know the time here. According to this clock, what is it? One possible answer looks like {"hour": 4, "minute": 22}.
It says {"hour": 3, "minute": 11}
